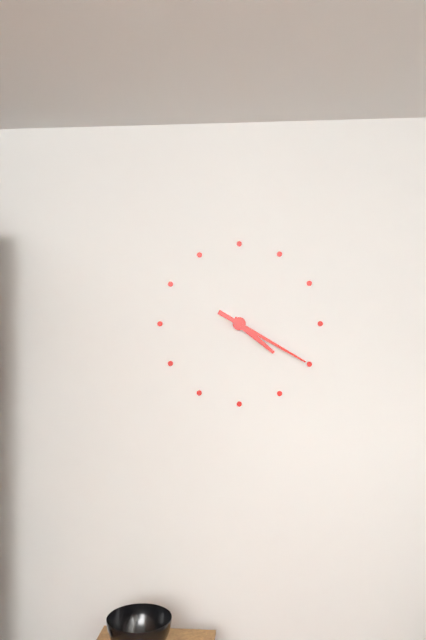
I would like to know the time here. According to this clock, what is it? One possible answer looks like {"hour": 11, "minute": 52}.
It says {"hour": 4, "minute": 20}
